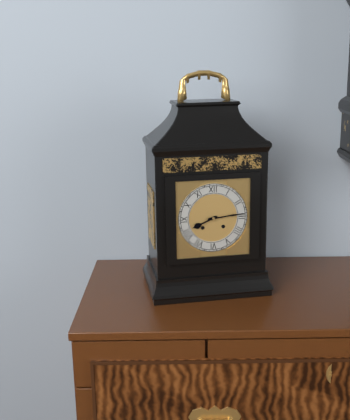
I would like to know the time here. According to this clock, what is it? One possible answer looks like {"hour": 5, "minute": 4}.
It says {"hour": 8, "minute": 14}
